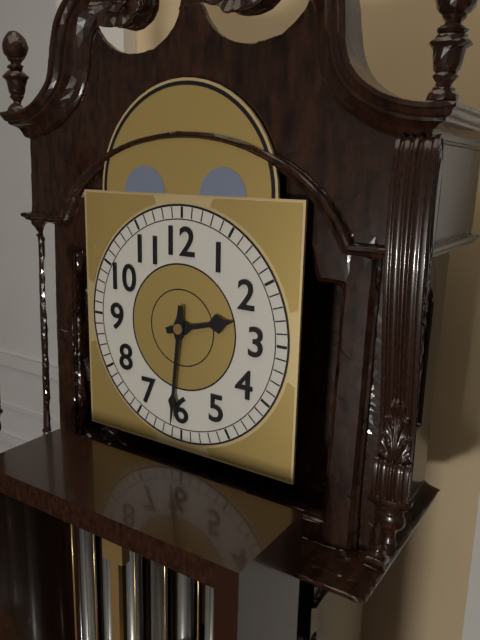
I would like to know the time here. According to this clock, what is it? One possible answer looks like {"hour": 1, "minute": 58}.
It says {"hour": 2, "minute": 31}
